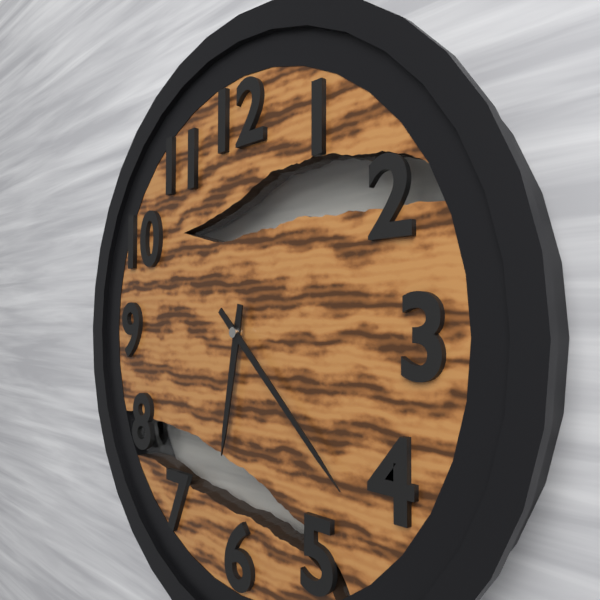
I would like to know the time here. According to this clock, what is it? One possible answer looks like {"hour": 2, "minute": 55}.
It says {"hour": 6, "minute": 22}
